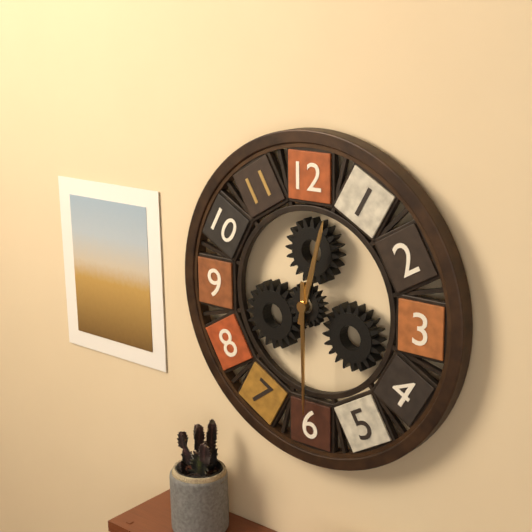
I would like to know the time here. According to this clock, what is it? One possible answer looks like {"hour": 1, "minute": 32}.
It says {"hour": 12, "minute": 30}
